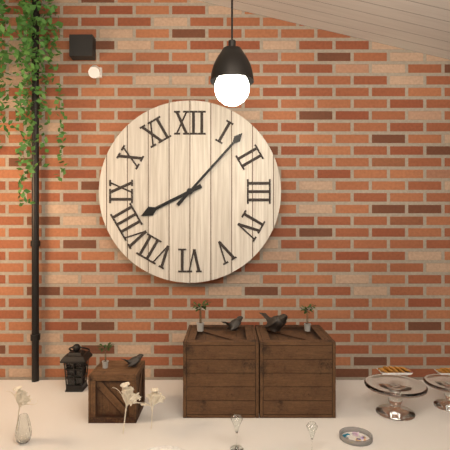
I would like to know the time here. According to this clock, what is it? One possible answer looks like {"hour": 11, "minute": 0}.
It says {"hour": 8, "minute": 7}
